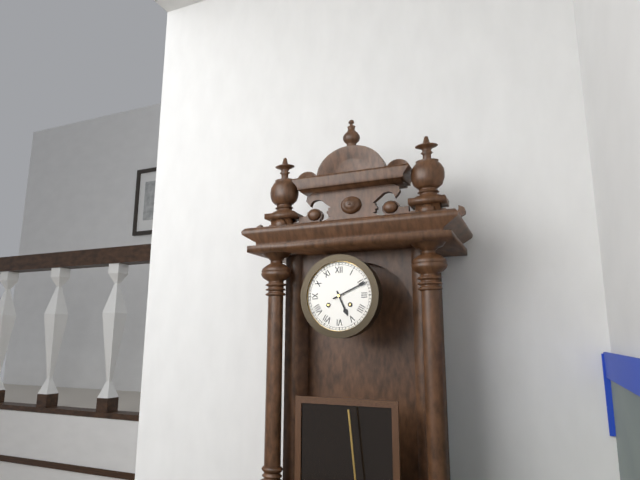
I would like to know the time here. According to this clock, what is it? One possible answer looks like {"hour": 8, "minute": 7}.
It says {"hour": 5, "minute": 11}
